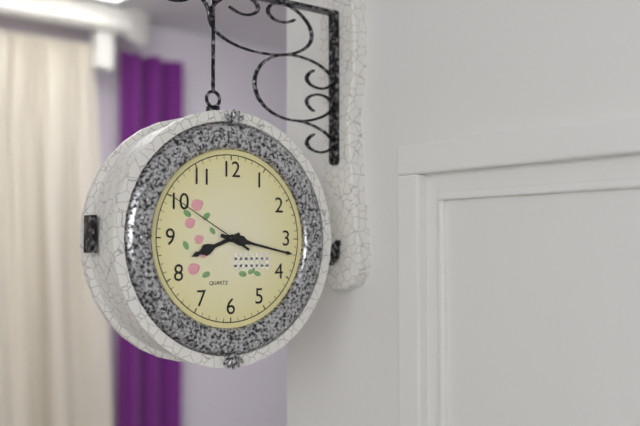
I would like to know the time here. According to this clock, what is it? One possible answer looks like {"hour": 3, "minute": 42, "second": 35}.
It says {"hour": 8, "minute": 17, "second": 50}
